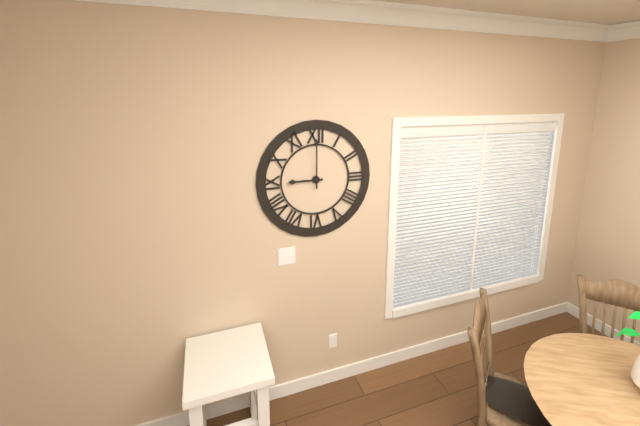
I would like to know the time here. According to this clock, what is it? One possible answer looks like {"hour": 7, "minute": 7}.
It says {"hour": 9, "minute": 0}
